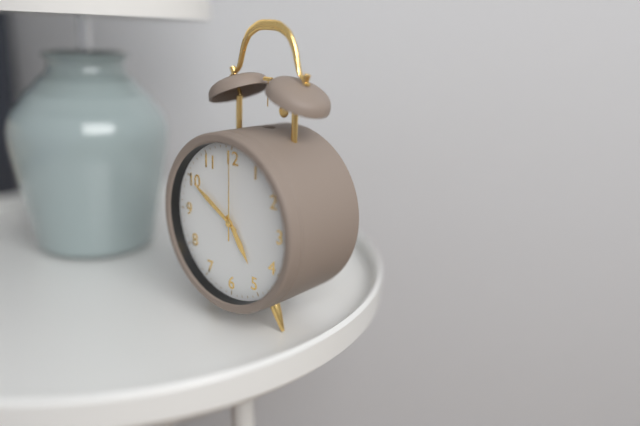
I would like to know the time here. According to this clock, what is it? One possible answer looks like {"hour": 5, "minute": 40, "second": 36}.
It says {"hour": 4, "minute": 50, "second": 0}
